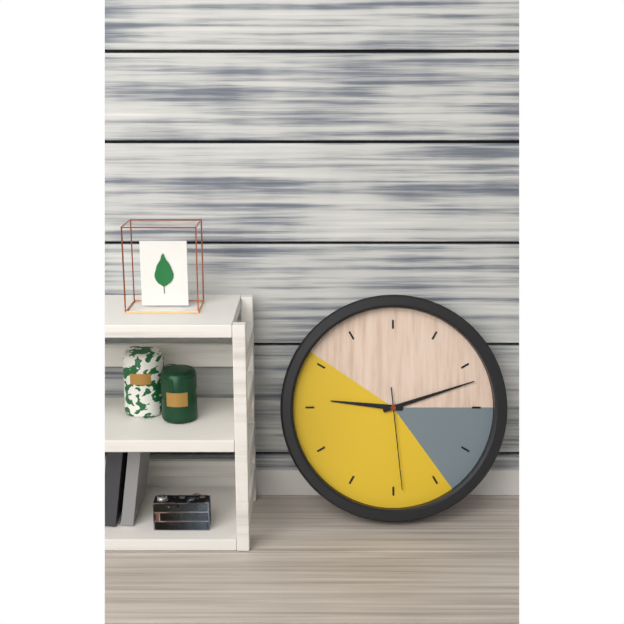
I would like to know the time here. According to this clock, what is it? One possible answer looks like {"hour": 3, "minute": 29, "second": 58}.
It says {"hour": 9, "minute": 12, "second": 29}
